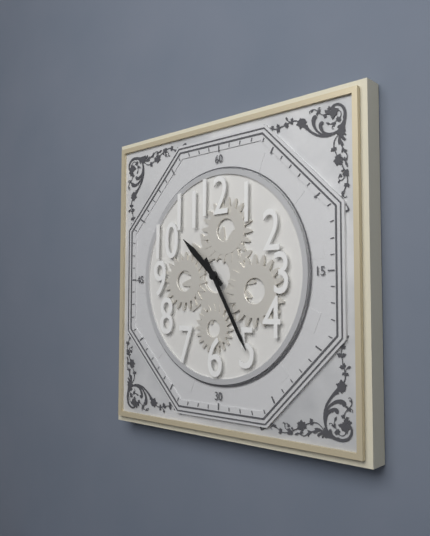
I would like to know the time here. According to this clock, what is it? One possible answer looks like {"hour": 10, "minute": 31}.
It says {"hour": 10, "minute": 25}
